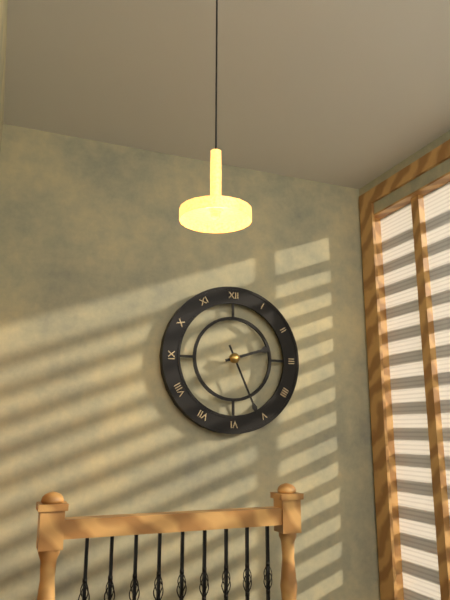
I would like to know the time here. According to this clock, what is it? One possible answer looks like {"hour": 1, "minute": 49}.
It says {"hour": 2, "minute": 26}
